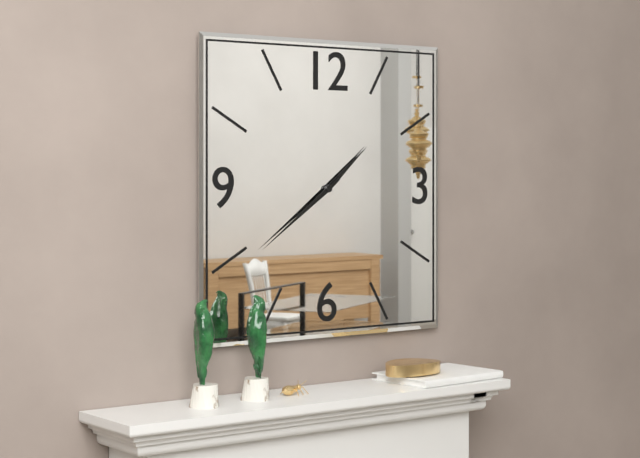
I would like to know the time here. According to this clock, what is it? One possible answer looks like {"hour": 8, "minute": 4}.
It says {"hour": 1, "minute": 39}
